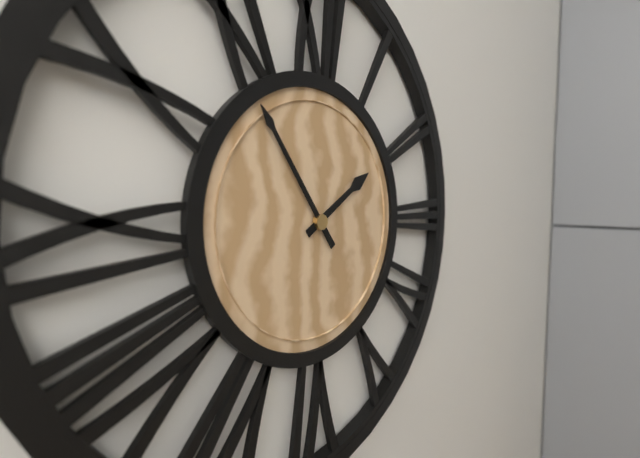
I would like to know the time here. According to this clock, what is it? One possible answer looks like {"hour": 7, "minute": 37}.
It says {"hour": 1, "minute": 54}
